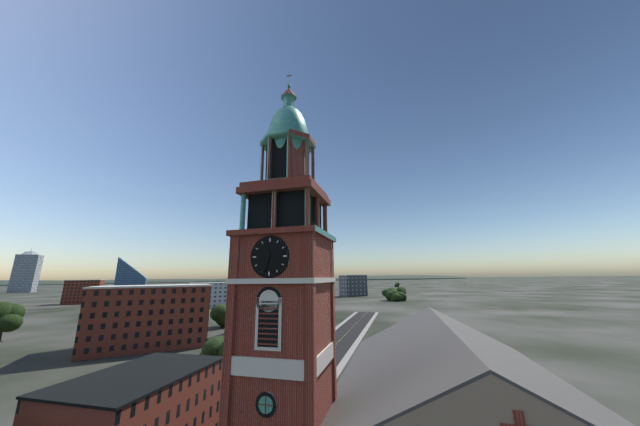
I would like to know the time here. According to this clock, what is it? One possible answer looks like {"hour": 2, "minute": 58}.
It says {"hour": 11, "minute": 33}
